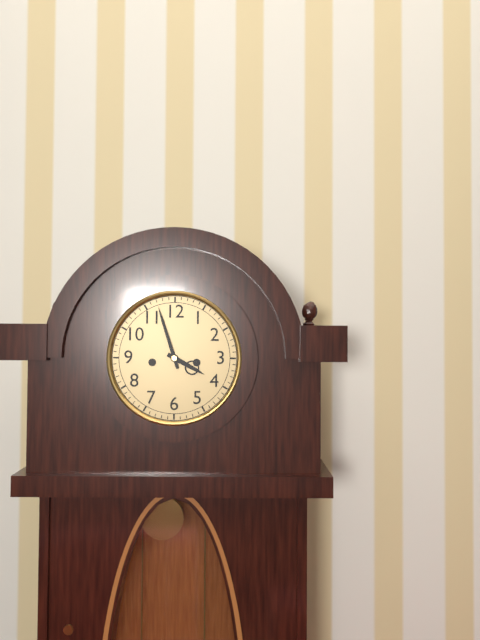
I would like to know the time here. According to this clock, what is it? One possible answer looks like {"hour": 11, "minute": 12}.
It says {"hour": 3, "minute": 57}
